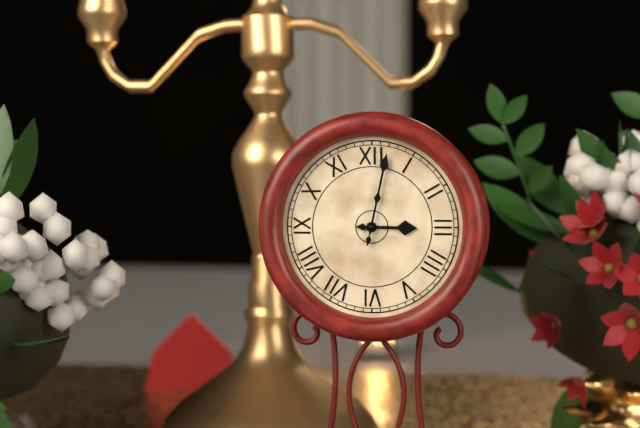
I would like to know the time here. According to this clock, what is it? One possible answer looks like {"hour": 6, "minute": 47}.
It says {"hour": 3, "minute": 2}
